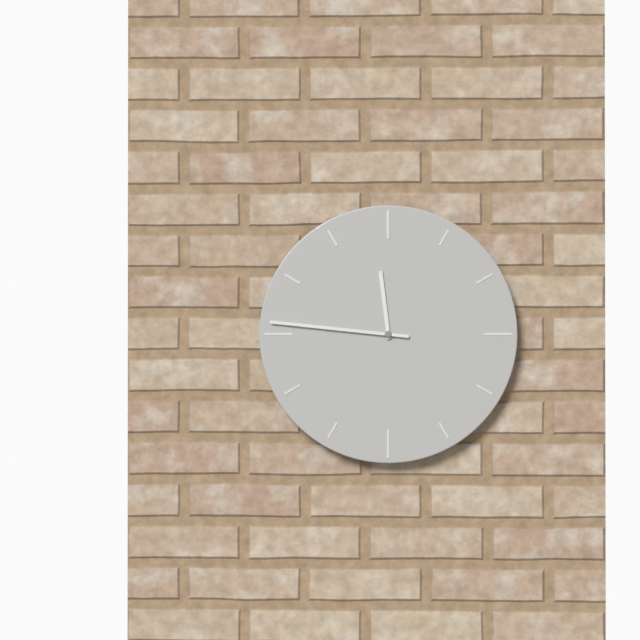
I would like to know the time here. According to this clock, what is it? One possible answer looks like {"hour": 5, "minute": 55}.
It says {"hour": 11, "minute": 46}
